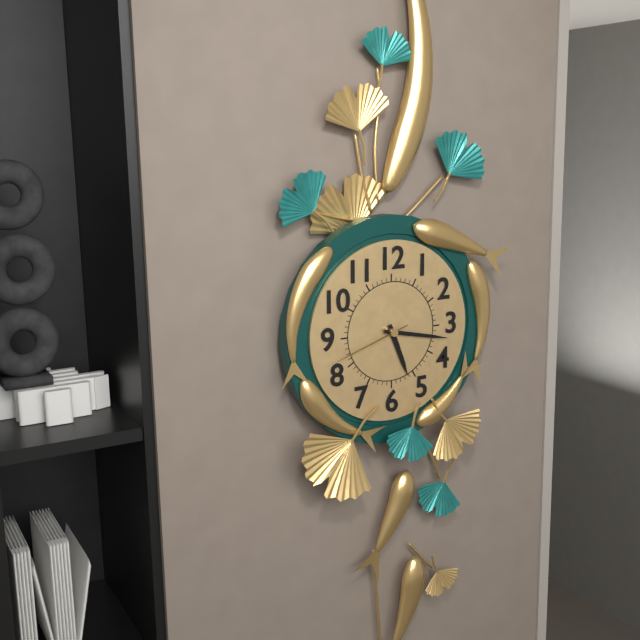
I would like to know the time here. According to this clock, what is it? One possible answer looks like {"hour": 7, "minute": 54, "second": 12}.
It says {"hour": 5, "minute": 17, "second": 42}
